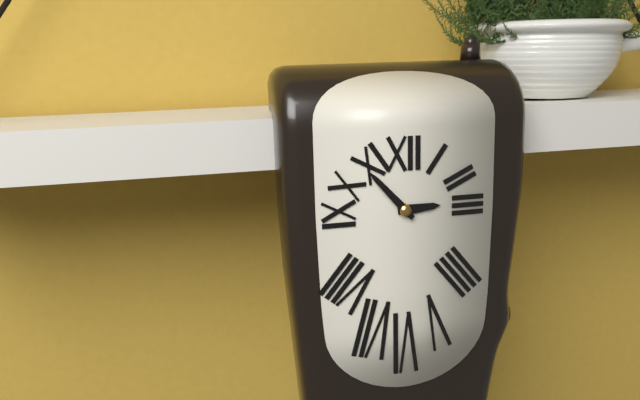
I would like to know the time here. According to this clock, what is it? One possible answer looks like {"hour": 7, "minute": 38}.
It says {"hour": 2, "minute": 53}
